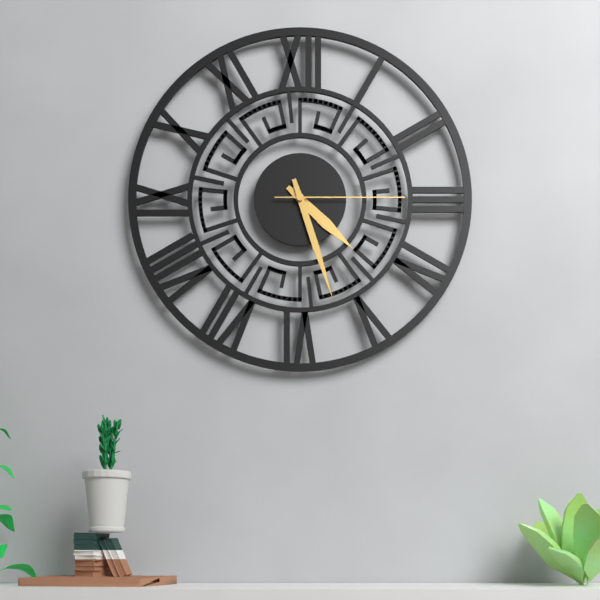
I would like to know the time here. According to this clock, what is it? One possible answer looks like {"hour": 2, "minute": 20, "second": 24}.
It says {"hour": 4, "minute": 27, "second": 15}
